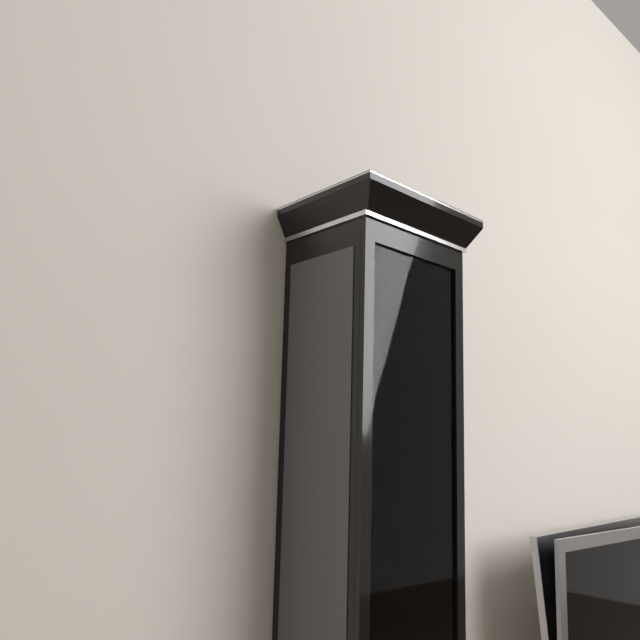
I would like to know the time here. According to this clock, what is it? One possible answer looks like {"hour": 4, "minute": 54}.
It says {"hour": 4, "minute": 24}
